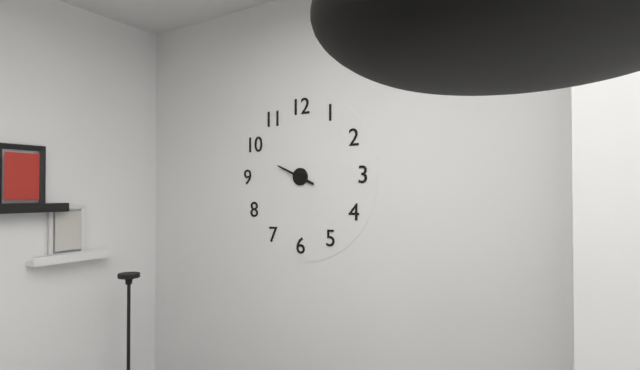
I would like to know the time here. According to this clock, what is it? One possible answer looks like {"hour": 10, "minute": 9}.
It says {"hour": 3, "minute": 49}
